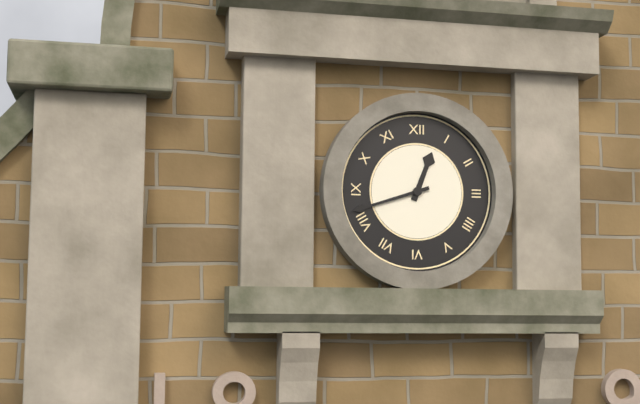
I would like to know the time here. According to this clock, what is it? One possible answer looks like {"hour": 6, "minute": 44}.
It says {"hour": 12, "minute": 42}
